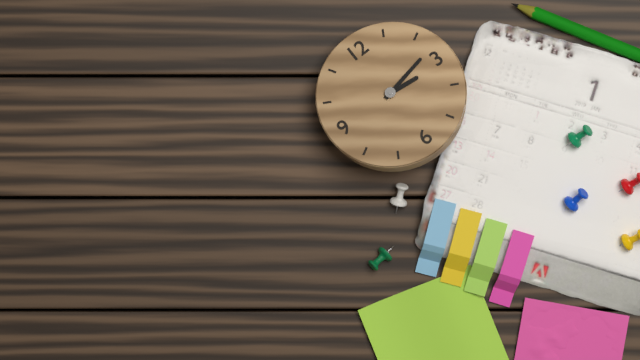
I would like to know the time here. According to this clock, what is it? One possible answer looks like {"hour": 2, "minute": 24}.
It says {"hour": 3, "minute": 13}
